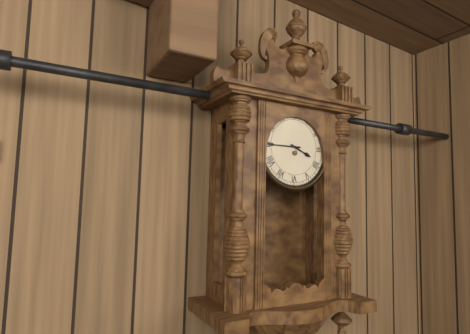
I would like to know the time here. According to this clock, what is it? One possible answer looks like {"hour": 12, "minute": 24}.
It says {"hour": 3, "minute": 45}
